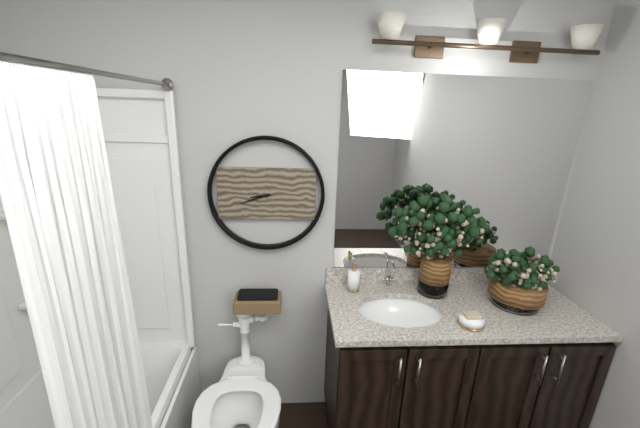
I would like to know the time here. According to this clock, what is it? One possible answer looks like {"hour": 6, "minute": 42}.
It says {"hour": 8, "minute": 42}
